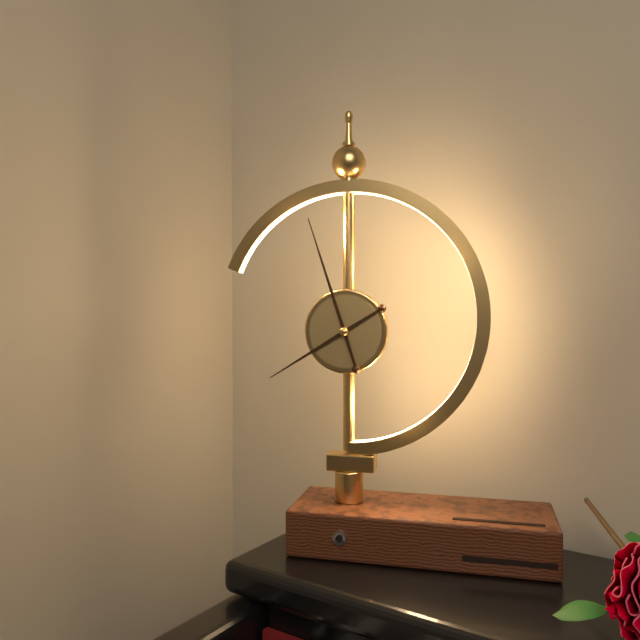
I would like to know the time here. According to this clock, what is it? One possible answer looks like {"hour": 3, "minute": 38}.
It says {"hour": 7, "minute": 57}
